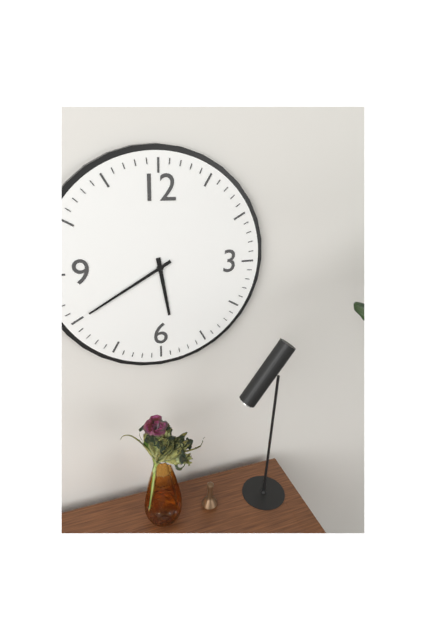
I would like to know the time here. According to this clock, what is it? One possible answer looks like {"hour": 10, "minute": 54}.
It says {"hour": 5, "minute": 40}
